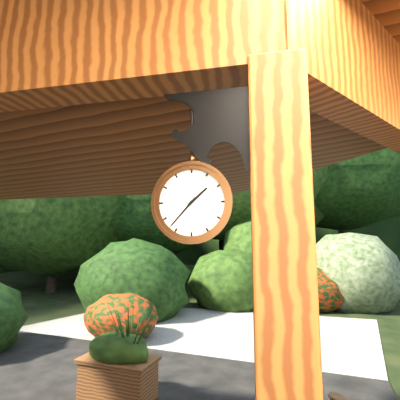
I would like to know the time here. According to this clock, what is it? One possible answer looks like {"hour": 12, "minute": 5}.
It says {"hour": 1, "minute": 37}
